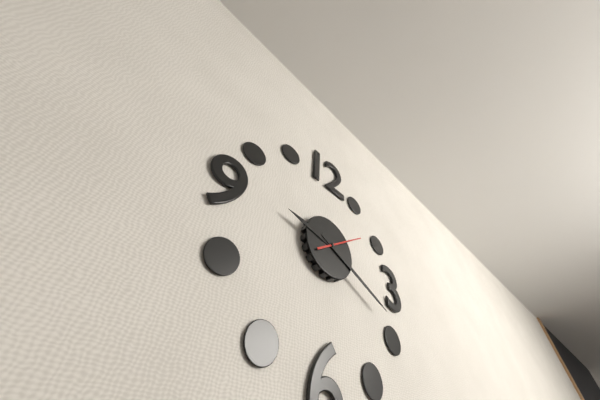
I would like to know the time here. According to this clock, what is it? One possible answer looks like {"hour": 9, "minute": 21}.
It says {"hour": 9, "minute": 19}
